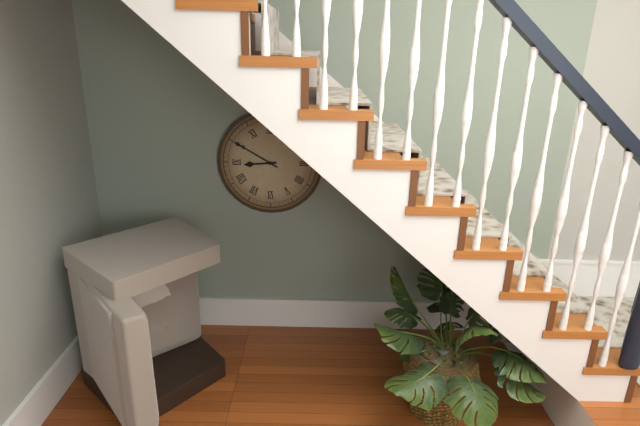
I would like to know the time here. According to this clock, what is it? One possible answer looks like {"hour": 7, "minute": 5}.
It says {"hour": 8, "minute": 50}
